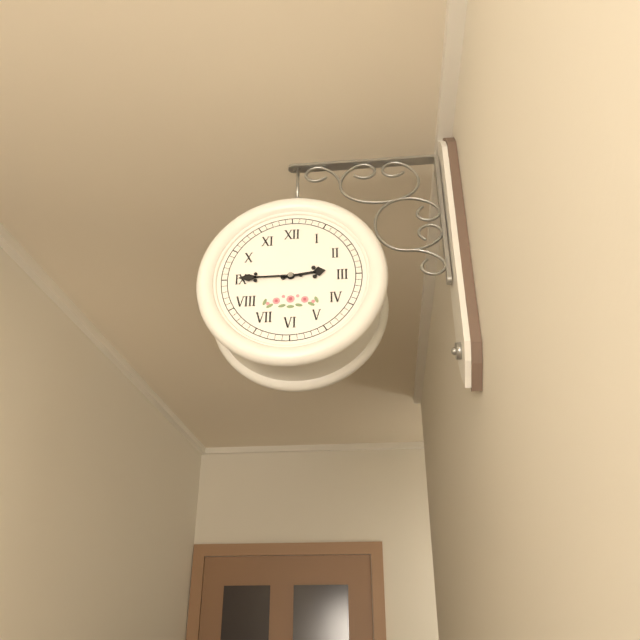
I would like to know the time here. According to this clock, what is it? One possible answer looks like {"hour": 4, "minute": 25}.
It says {"hour": 2, "minute": 45}
